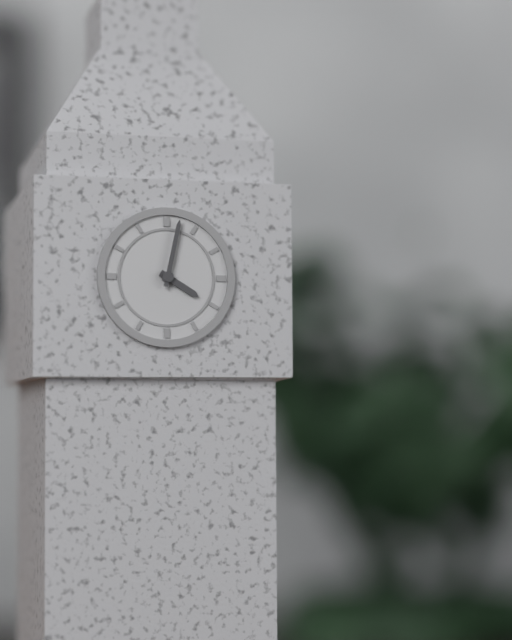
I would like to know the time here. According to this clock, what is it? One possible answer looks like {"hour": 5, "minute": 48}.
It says {"hour": 4, "minute": 2}
